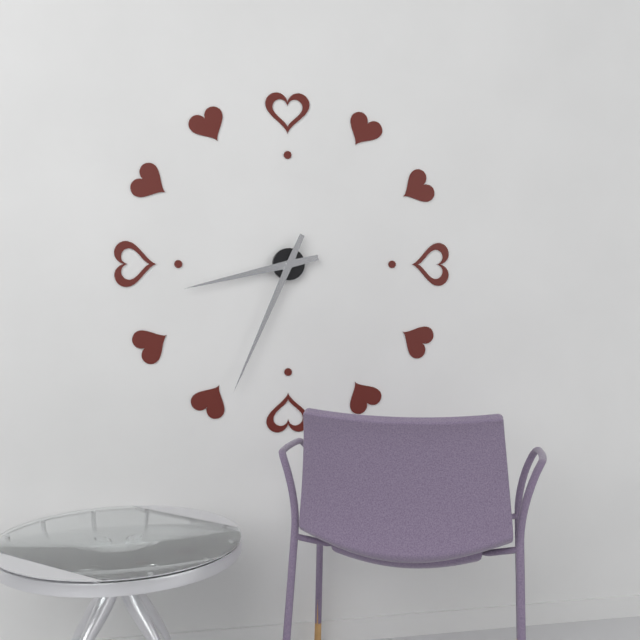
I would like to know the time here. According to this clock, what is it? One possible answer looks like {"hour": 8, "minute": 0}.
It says {"hour": 8, "minute": 34}
